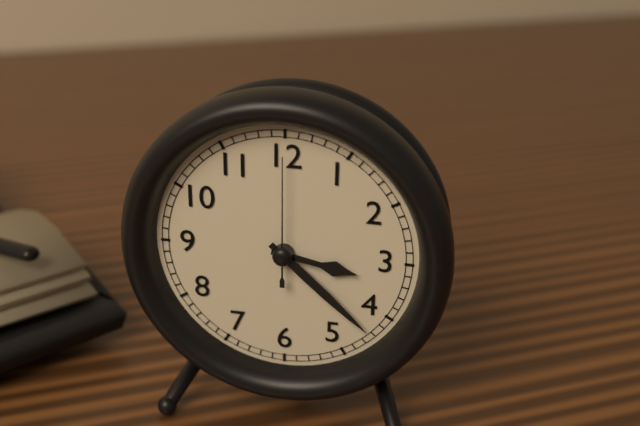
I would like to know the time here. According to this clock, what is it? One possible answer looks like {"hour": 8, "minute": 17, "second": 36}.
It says {"hour": 3, "minute": 22, "second": 0}
